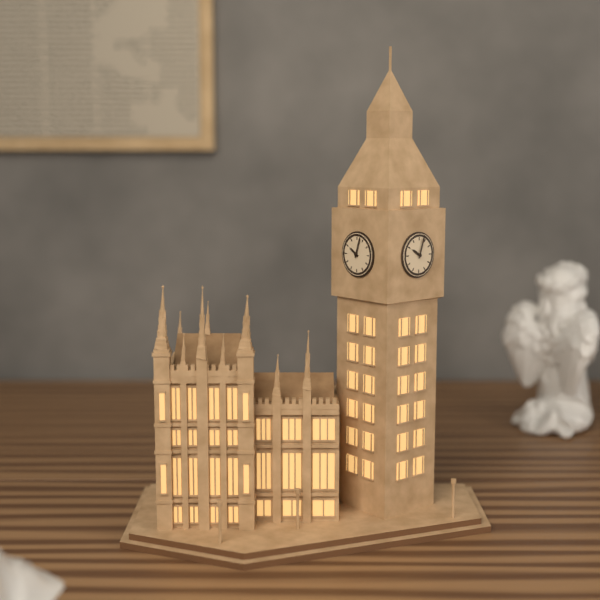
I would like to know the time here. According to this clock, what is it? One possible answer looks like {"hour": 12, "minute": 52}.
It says {"hour": 10, "minute": 3}
